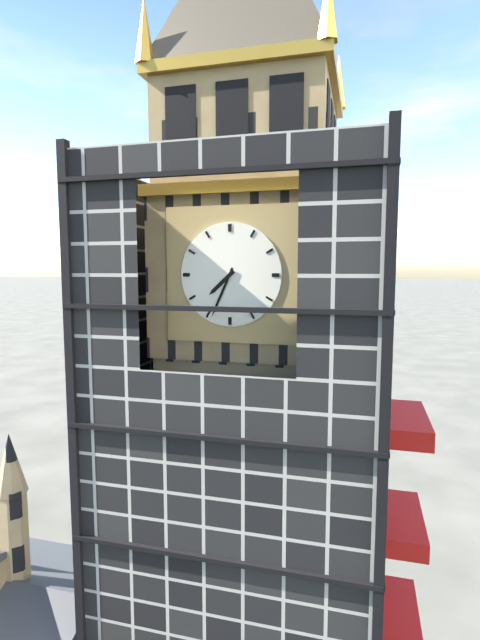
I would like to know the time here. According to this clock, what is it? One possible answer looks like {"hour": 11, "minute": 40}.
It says {"hour": 7, "minute": 34}
